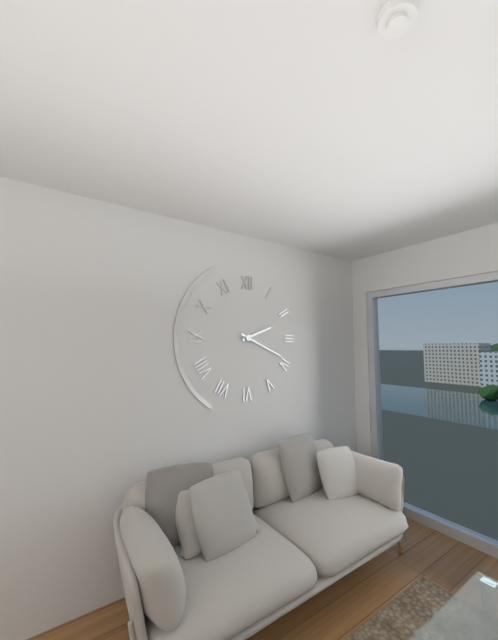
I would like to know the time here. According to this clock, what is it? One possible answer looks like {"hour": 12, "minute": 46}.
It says {"hour": 2, "minute": 19}
